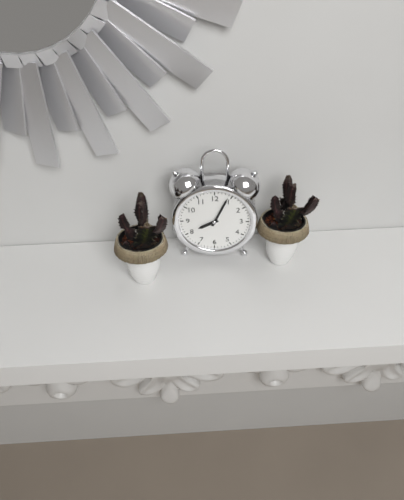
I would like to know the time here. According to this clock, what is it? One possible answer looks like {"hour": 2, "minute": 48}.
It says {"hour": 8, "minute": 4}
